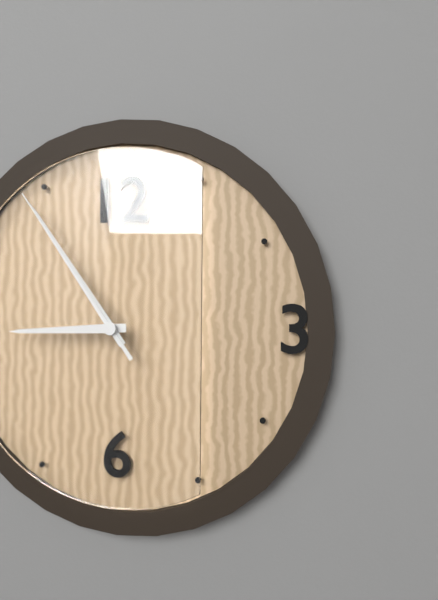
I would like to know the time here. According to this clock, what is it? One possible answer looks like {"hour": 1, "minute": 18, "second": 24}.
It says {"hour": 8, "minute": 54, "second": 54}
